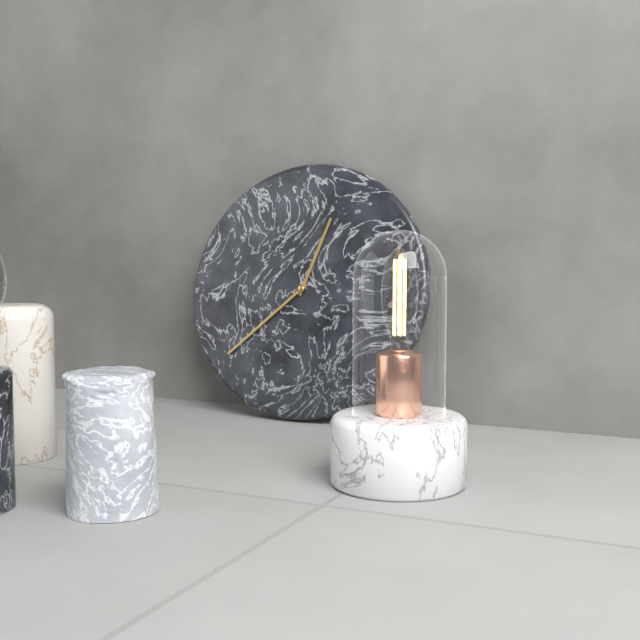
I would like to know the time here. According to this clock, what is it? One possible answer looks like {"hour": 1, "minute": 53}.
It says {"hour": 12, "minute": 38}
